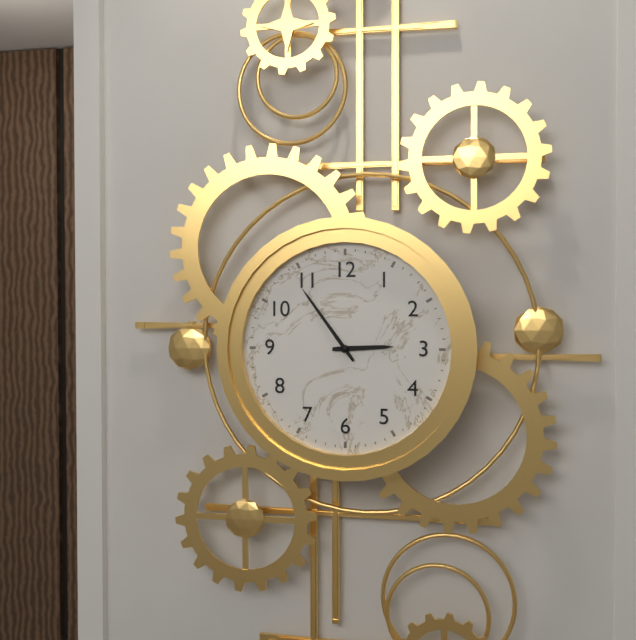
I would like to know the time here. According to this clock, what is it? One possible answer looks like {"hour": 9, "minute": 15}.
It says {"hour": 2, "minute": 54}
